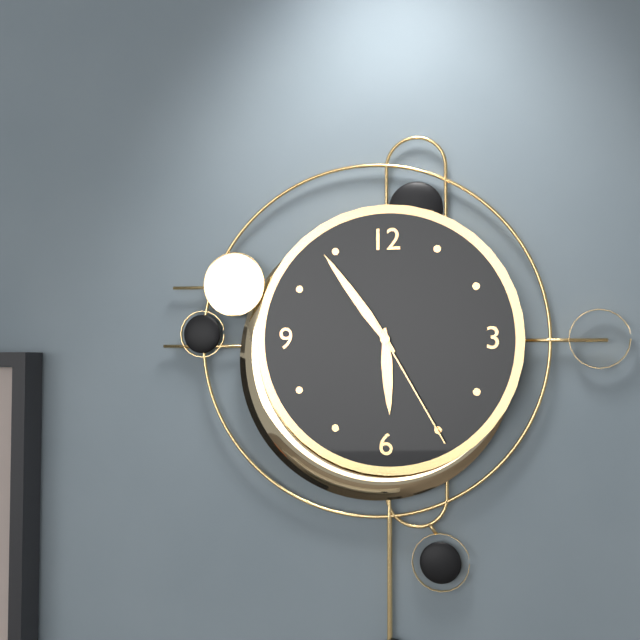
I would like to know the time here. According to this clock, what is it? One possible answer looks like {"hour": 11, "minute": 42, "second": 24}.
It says {"hour": 5, "minute": 54, "second": 25}
